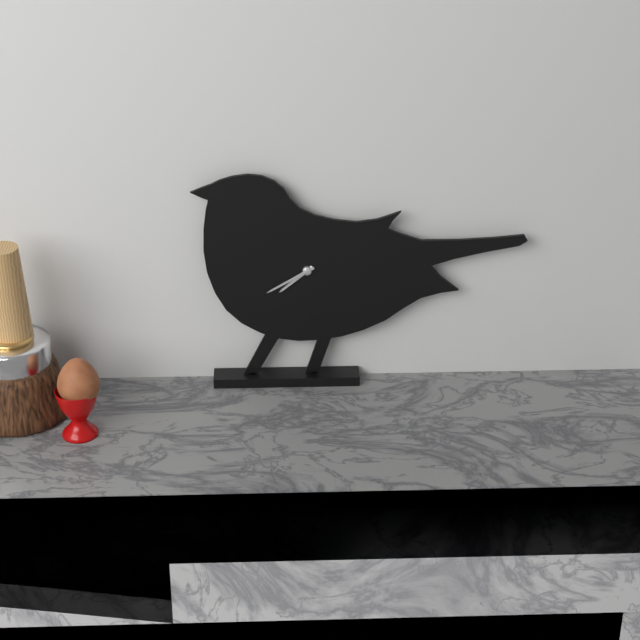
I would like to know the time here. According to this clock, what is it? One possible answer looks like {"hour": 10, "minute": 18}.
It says {"hour": 7, "minute": 40}
